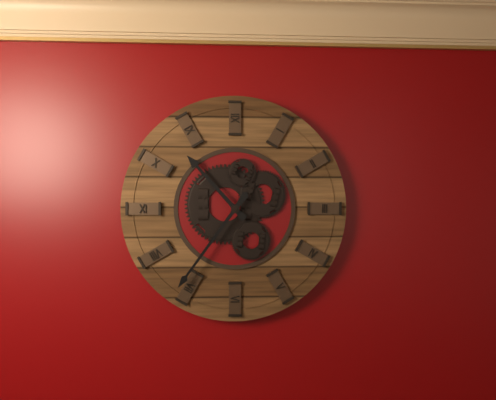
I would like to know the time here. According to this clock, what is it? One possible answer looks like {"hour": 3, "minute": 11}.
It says {"hour": 10, "minute": 36}
